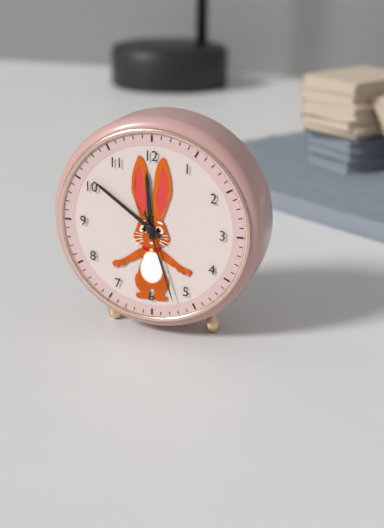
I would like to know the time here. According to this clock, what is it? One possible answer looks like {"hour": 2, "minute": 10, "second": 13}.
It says {"hour": 11, "minute": 51, "second": 27}
